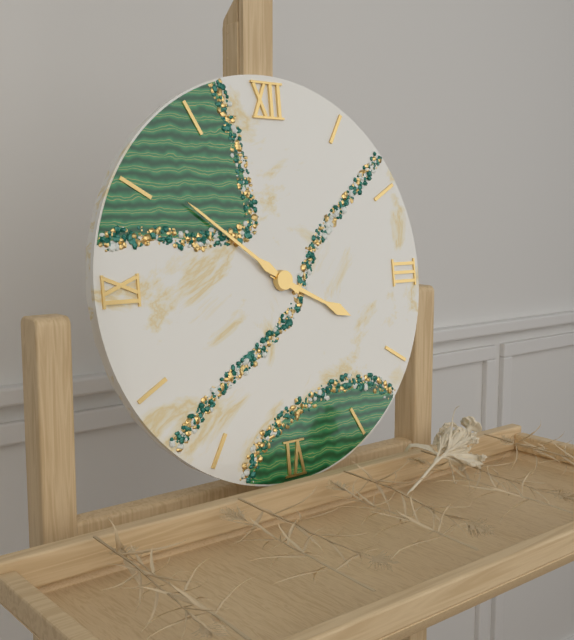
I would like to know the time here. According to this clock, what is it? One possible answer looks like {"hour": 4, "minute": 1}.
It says {"hour": 3, "minute": 51}
